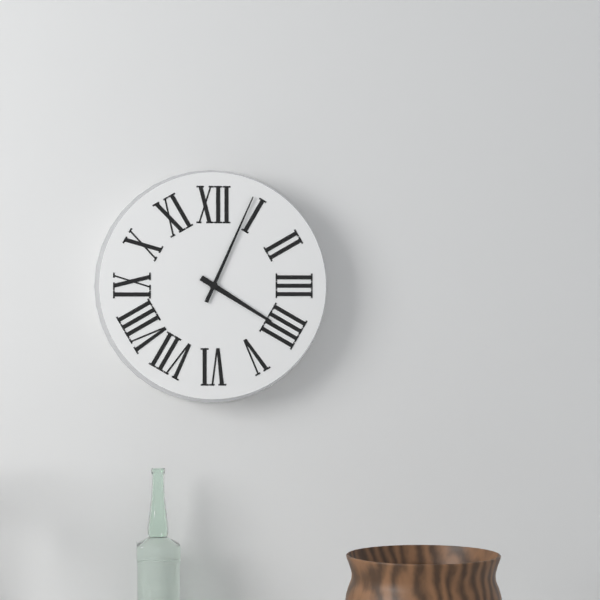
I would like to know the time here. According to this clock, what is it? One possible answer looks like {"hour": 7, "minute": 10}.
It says {"hour": 4, "minute": 4}
